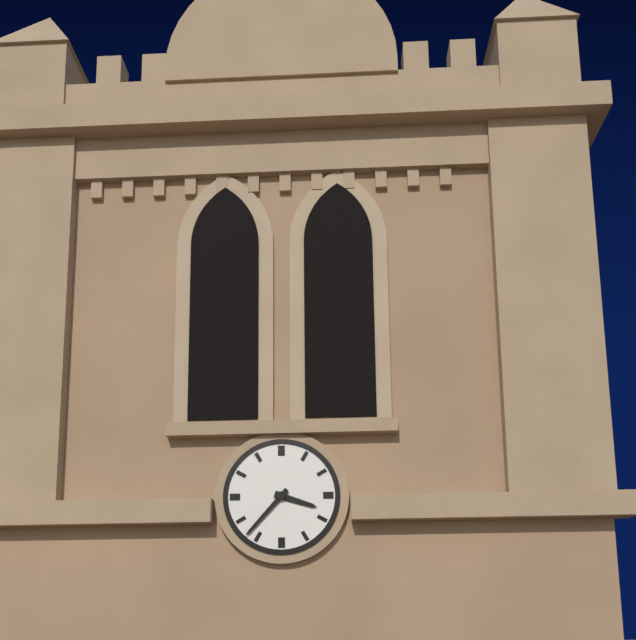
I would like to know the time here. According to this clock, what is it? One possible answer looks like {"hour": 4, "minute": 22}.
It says {"hour": 3, "minute": 37}
